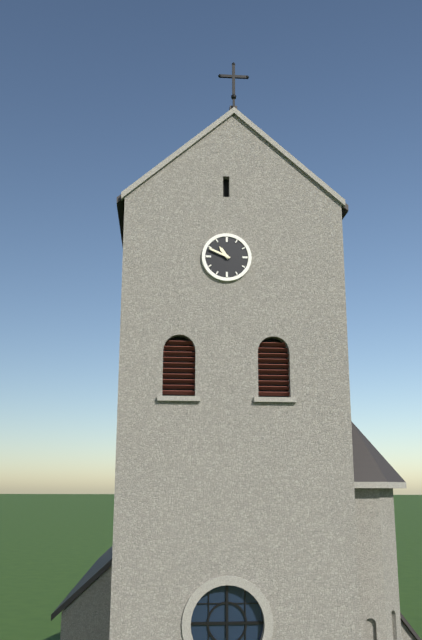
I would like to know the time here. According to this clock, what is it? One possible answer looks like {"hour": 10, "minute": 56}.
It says {"hour": 10, "minute": 49}
